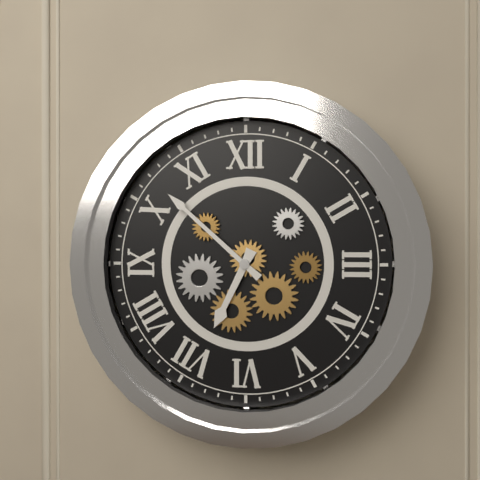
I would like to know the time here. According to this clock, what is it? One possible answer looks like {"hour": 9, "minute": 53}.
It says {"hour": 6, "minute": 52}
